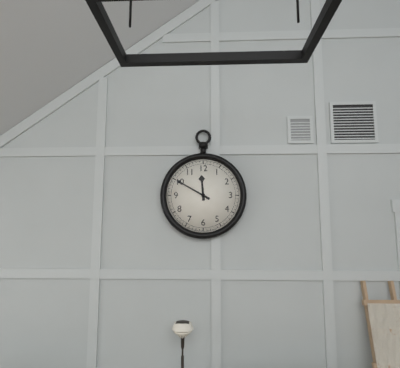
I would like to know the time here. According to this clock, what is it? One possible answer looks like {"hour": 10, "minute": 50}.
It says {"hour": 11, "minute": 50}
